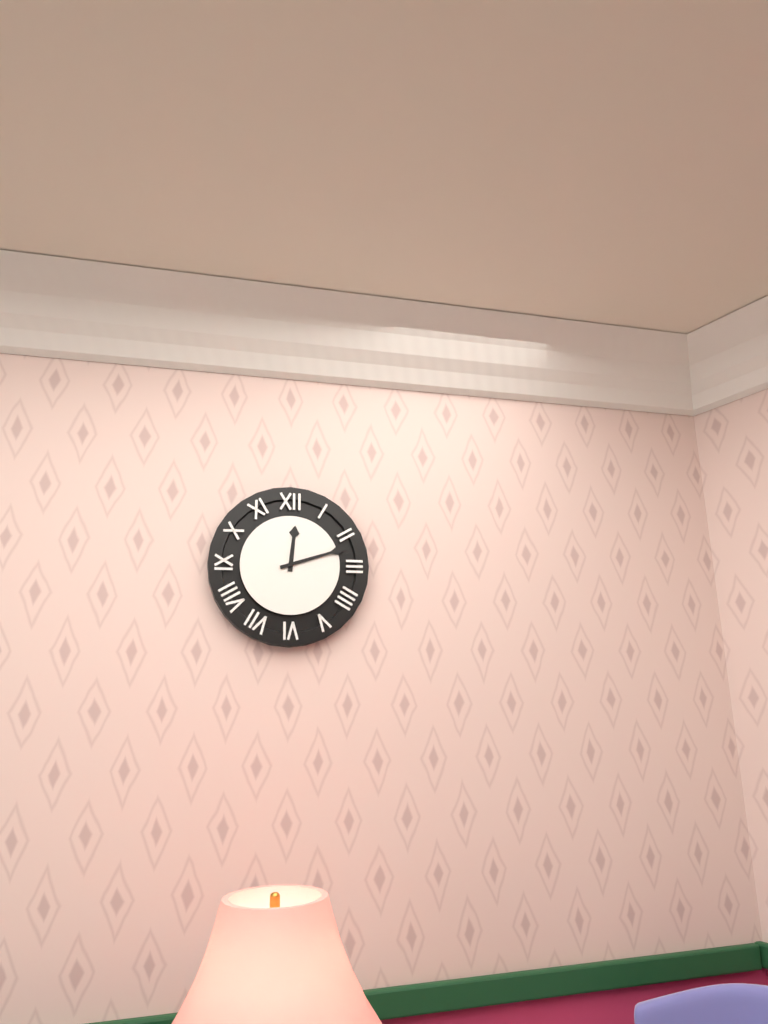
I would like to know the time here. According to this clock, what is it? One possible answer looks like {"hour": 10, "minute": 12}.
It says {"hour": 12, "minute": 12}
